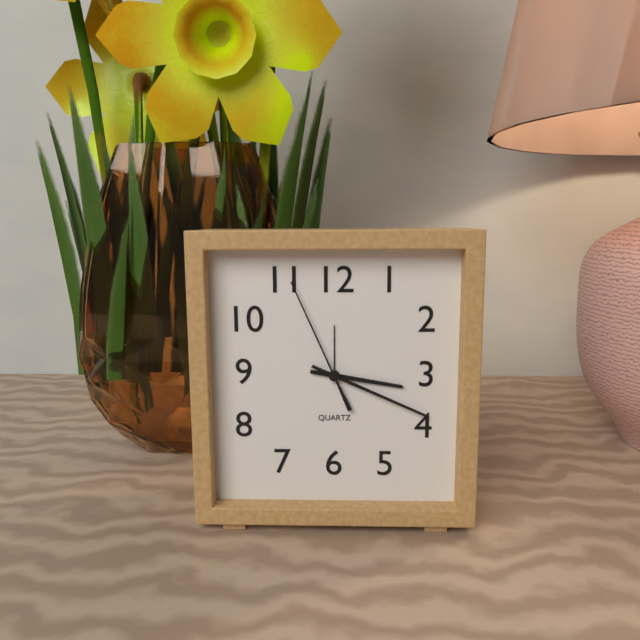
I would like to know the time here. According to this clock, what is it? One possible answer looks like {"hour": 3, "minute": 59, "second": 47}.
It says {"hour": 3, "minute": 19, "second": 56}
